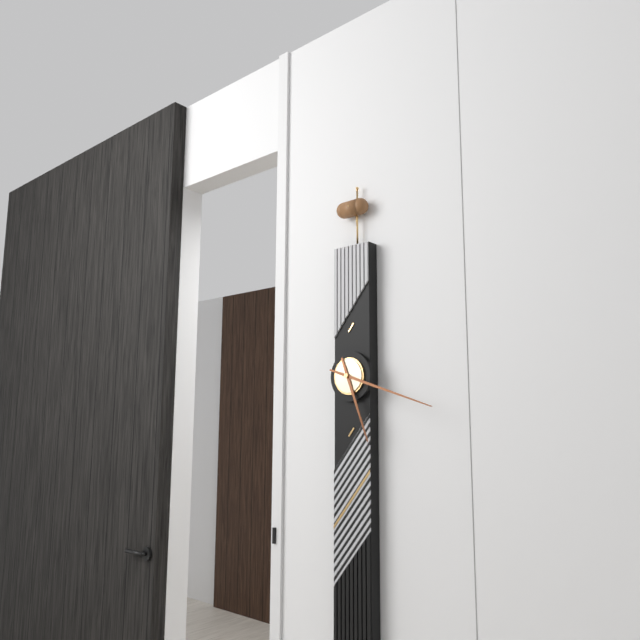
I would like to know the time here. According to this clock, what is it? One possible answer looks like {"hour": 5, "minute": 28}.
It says {"hour": 5, "minute": 18}
